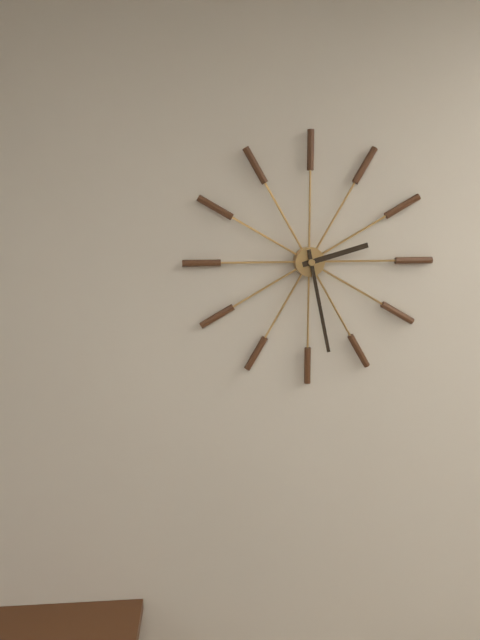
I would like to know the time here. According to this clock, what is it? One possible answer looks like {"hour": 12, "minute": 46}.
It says {"hour": 2, "minute": 28}
